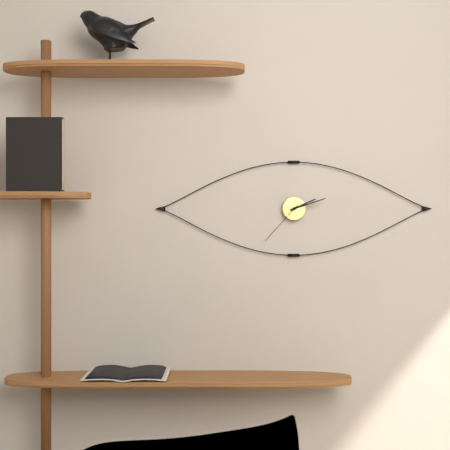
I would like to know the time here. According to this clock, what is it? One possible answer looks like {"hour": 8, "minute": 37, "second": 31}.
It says {"hour": 2, "minute": 12, "second": 37}
